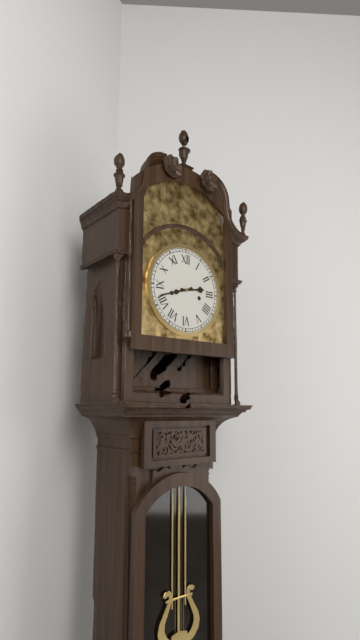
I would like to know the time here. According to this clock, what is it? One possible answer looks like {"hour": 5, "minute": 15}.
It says {"hour": 2, "minute": 42}
